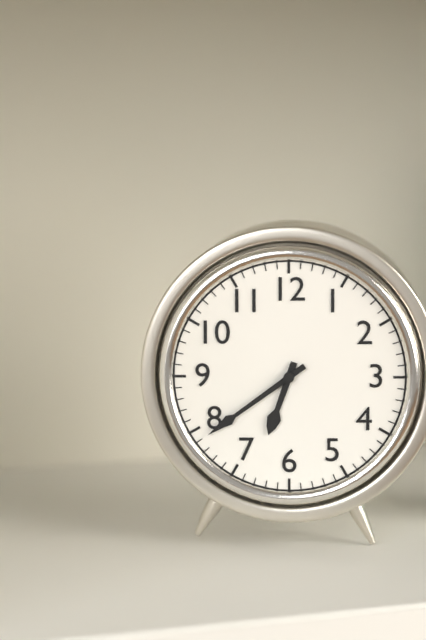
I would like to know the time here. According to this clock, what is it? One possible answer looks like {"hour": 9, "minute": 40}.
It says {"hour": 6, "minute": 39}
